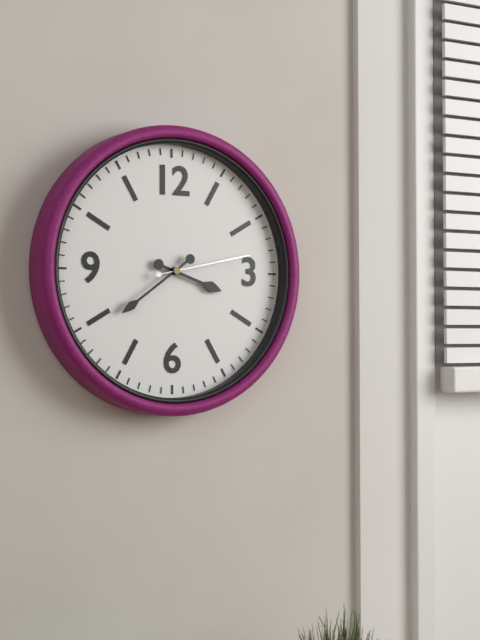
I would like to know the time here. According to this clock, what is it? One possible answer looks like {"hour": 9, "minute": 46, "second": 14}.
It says {"hour": 3, "minute": 39, "second": 13}
